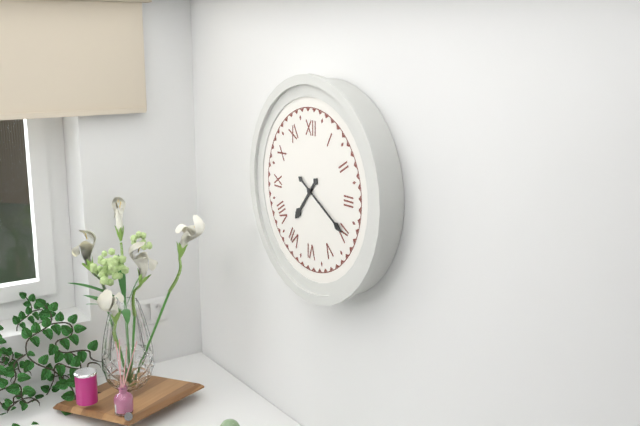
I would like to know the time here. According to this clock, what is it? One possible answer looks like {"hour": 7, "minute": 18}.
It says {"hour": 7, "minute": 20}
